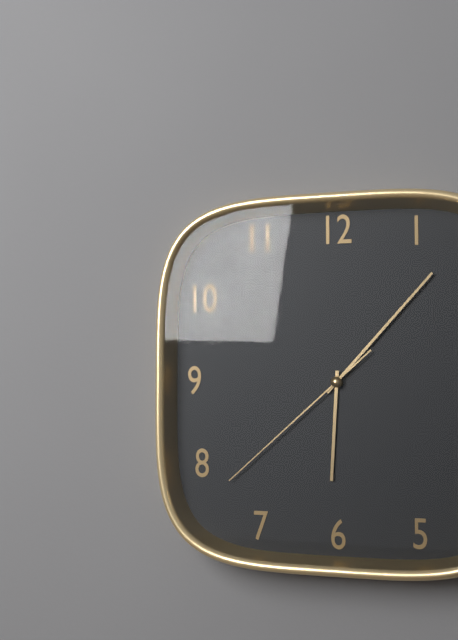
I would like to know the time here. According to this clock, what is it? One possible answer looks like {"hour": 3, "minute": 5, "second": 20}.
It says {"hour": 6, "minute": 7, "second": 38}
